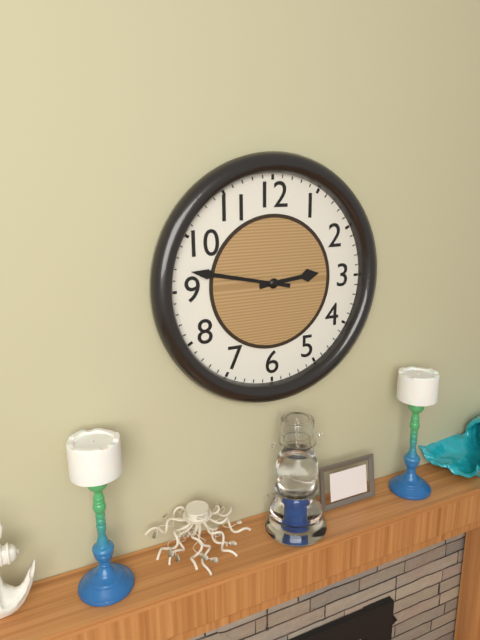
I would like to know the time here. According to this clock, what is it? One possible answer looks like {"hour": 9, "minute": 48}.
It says {"hour": 2, "minute": 47}
